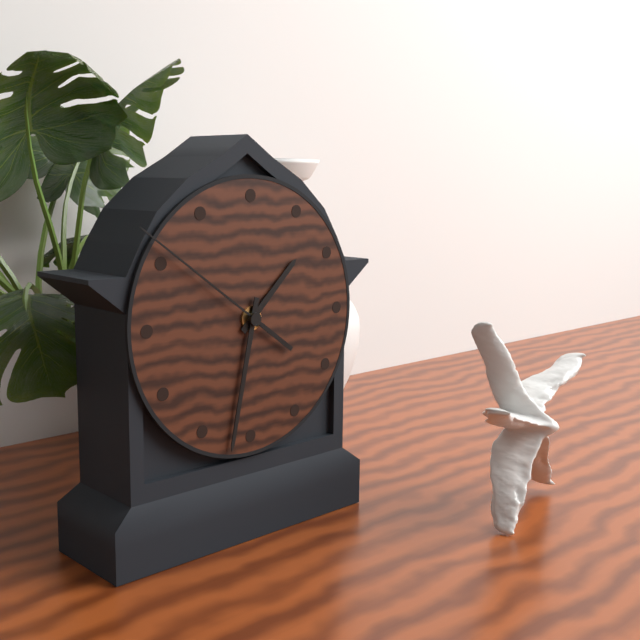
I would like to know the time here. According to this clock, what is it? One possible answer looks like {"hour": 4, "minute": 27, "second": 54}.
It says {"hour": 1, "minute": 32, "second": 51}
